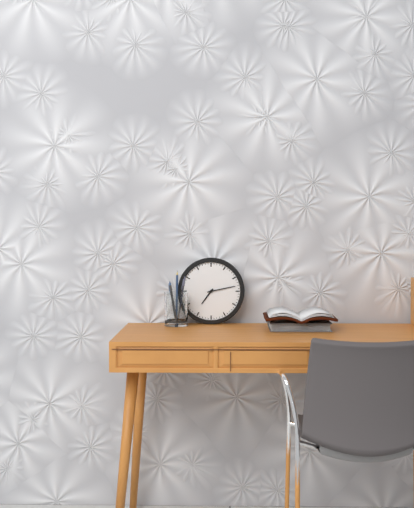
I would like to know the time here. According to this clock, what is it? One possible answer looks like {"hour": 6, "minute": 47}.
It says {"hour": 7, "minute": 13}
